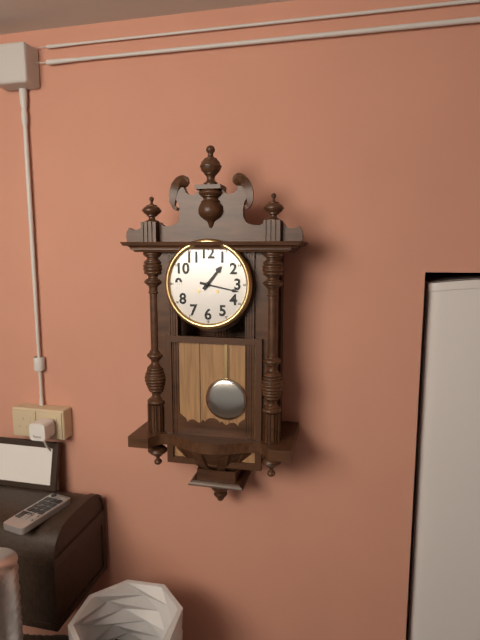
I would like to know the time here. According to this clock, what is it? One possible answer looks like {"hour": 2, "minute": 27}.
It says {"hour": 1, "minute": 17}
